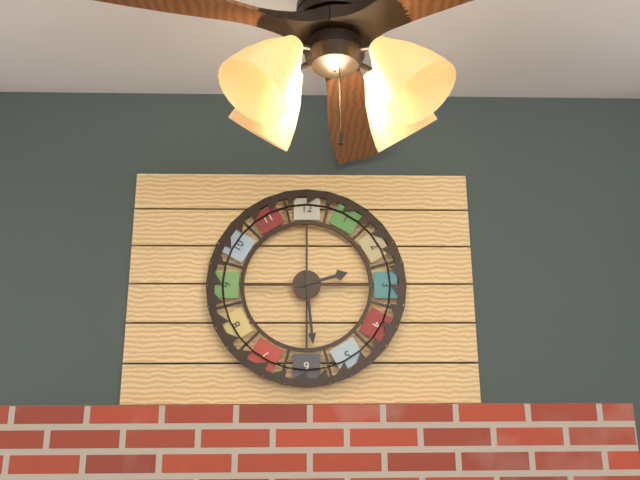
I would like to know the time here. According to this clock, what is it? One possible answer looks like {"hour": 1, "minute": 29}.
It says {"hour": 2, "minute": 29}
